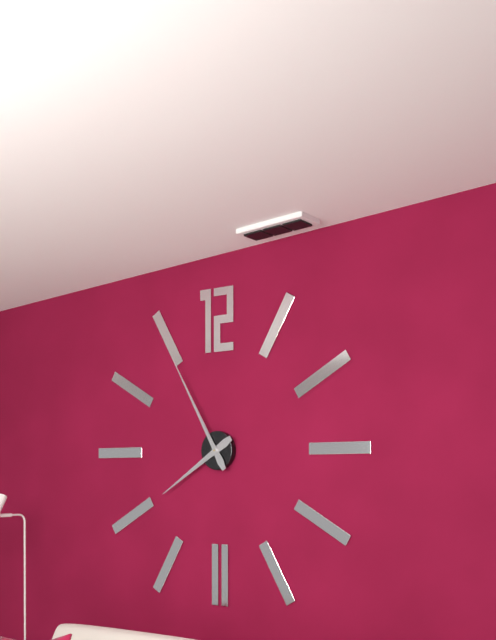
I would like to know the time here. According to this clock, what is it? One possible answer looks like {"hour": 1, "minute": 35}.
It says {"hour": 7, "minute": 55}
